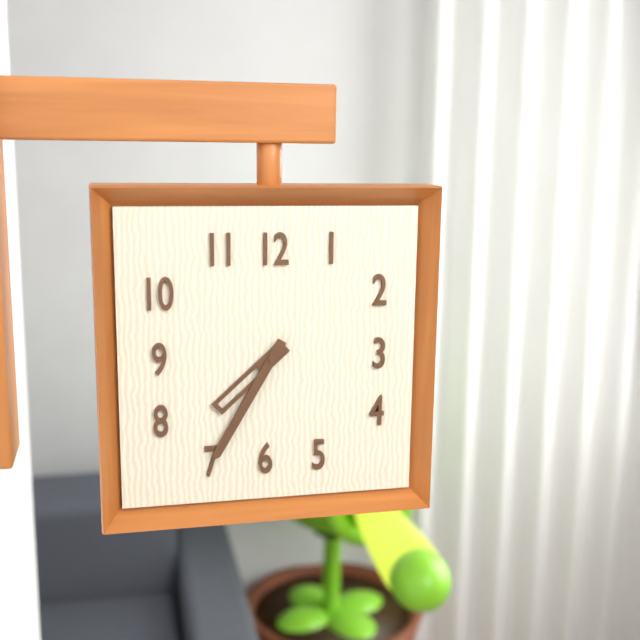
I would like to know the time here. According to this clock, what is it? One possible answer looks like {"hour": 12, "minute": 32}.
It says {"hour": 7, "minute": 35}
